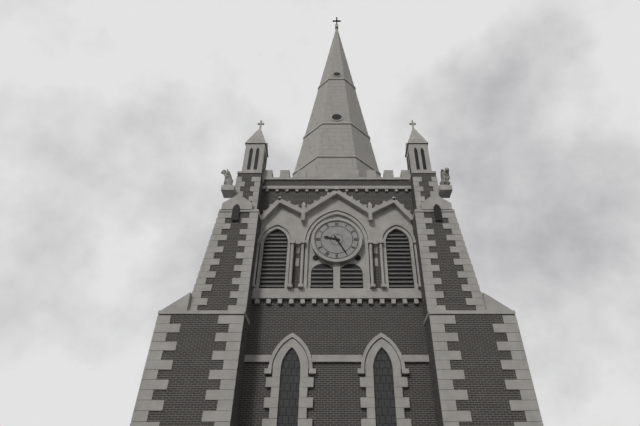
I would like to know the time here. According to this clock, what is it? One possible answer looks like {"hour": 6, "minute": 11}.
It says {"hour": 9, "minute": 25}
